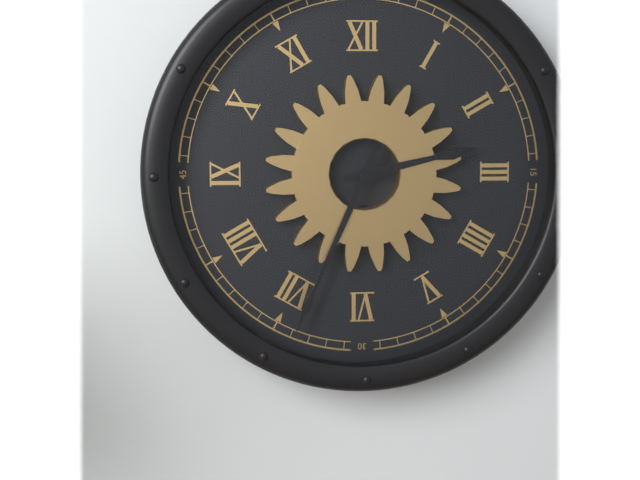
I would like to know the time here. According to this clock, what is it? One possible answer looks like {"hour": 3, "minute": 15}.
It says {"hour": 2, "minute": 34}
